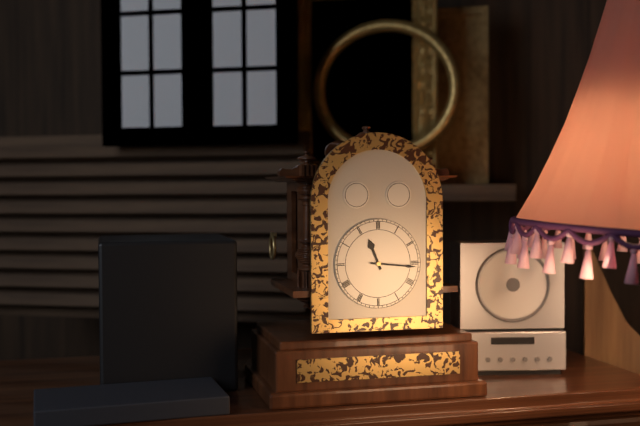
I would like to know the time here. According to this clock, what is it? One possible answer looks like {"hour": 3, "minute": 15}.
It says {"hour": 11, "minute": 16}
